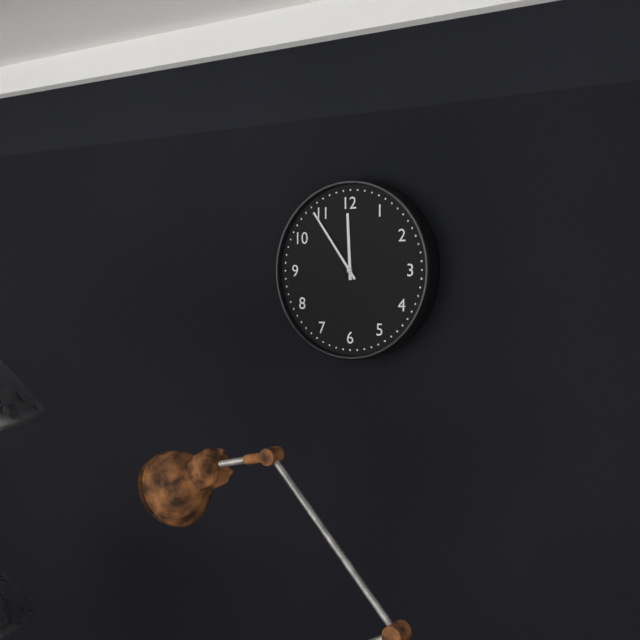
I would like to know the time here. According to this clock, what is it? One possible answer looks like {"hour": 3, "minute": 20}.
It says {"hour": 11, "minute": 54}
